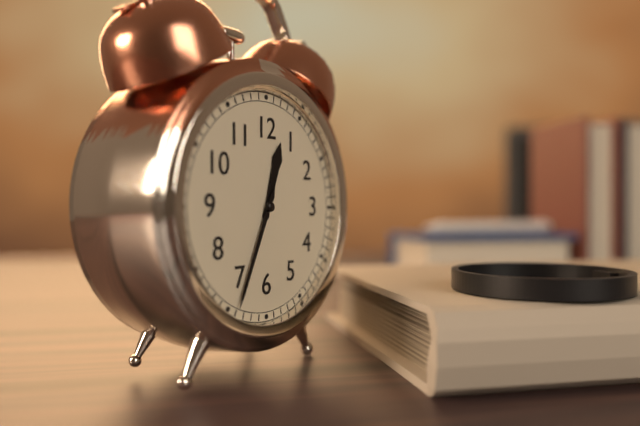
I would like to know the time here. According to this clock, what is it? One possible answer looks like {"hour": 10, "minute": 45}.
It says {"hour": 12, "minute": 34}
